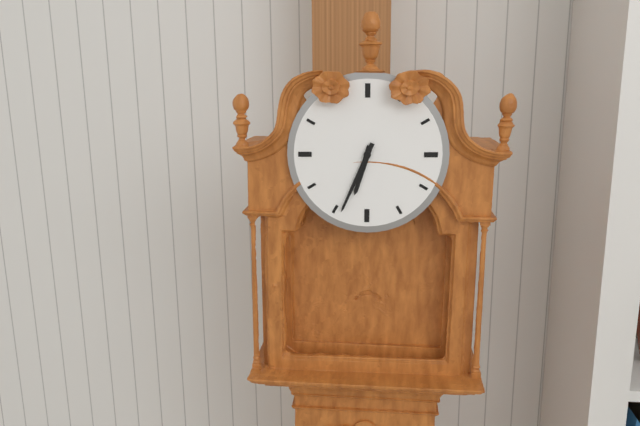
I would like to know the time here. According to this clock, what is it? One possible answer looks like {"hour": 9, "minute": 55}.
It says {"hour": 6, "minute": 34}
